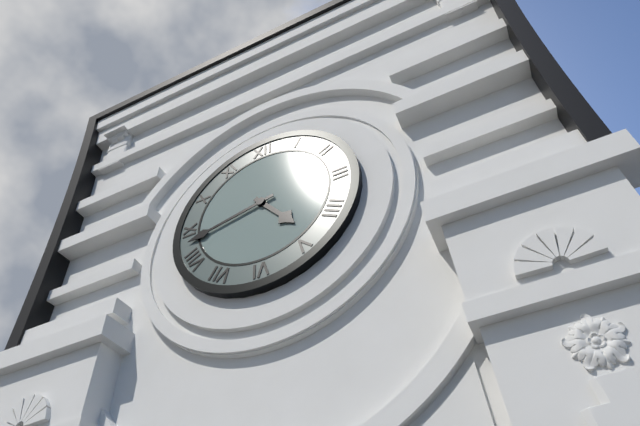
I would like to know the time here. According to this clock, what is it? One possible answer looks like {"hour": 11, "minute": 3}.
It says {"hour": 4, "minute": 43}
